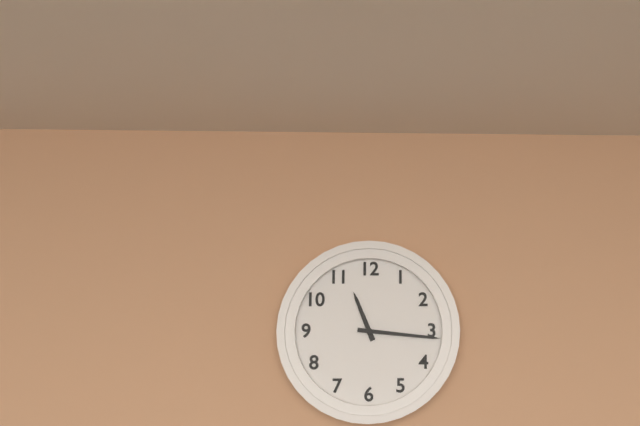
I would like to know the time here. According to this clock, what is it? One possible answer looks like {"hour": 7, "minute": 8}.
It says {"hour": 11, "minute": 16}
